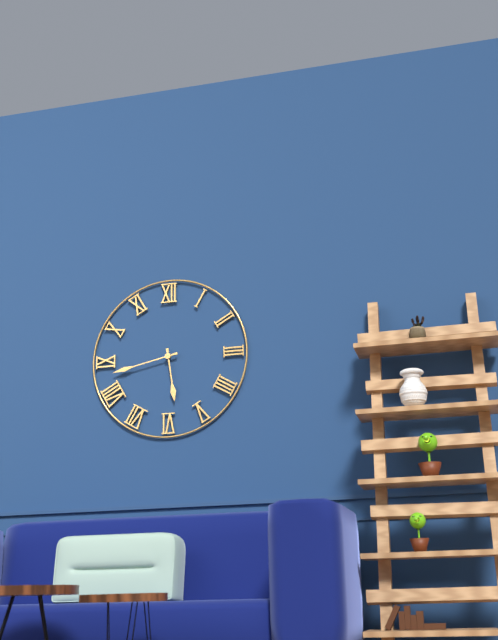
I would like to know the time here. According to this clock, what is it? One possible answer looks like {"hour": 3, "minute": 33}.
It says {"hour": 5, "minute": 43}
